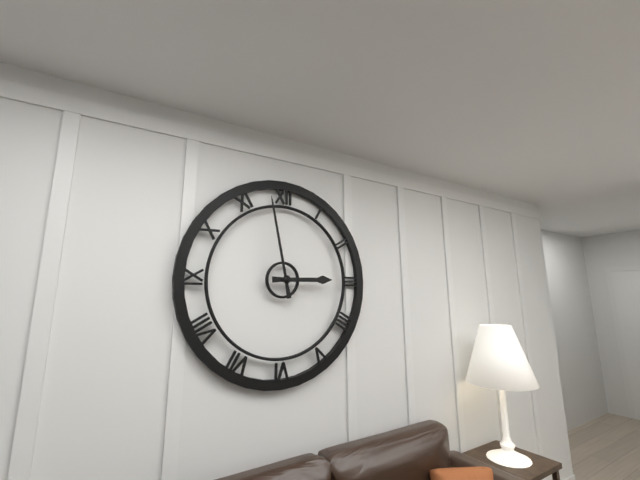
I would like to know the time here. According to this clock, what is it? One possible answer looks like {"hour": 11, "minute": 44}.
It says {"hour": 2, "minute": 58}
